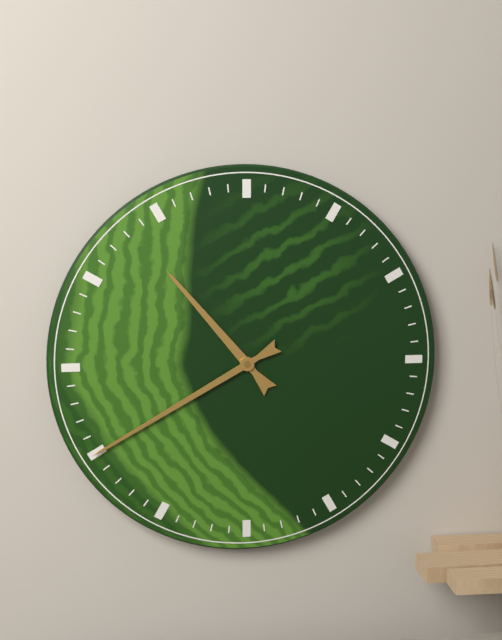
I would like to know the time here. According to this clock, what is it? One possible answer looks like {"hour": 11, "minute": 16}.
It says {"hour": 10, "minute": 40}
